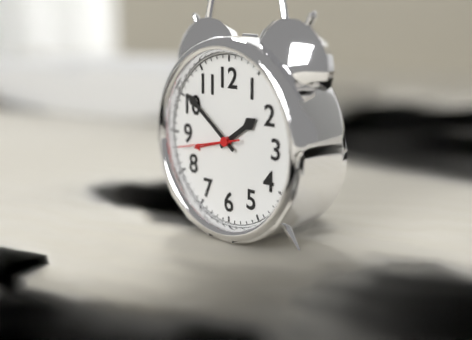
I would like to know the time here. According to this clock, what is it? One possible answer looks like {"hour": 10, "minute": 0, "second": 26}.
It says {"hour": 1, "minute": 51, "second": 43}
